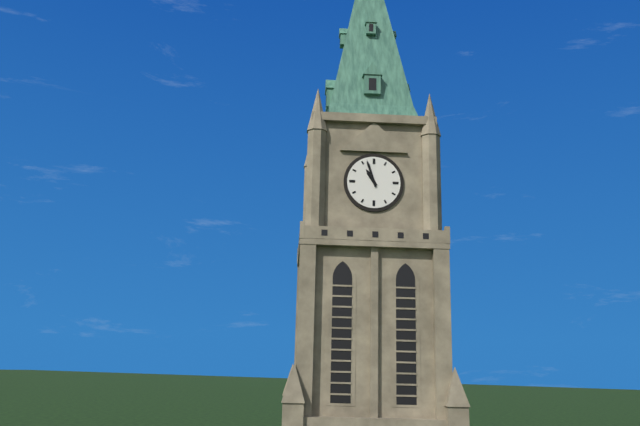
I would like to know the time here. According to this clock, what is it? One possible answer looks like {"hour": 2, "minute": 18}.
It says {"hour": 10, "minute": 57}
